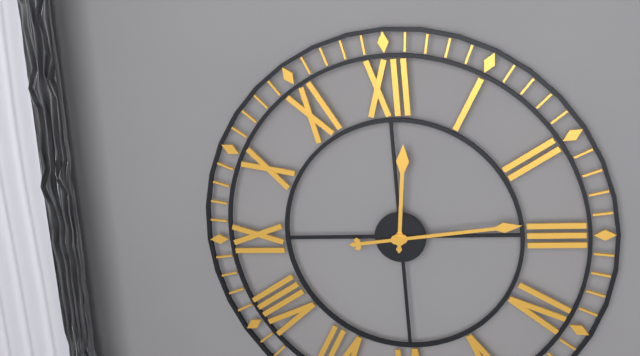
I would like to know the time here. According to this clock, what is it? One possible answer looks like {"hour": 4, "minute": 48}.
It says {"hour": 12, "minute": 14}
